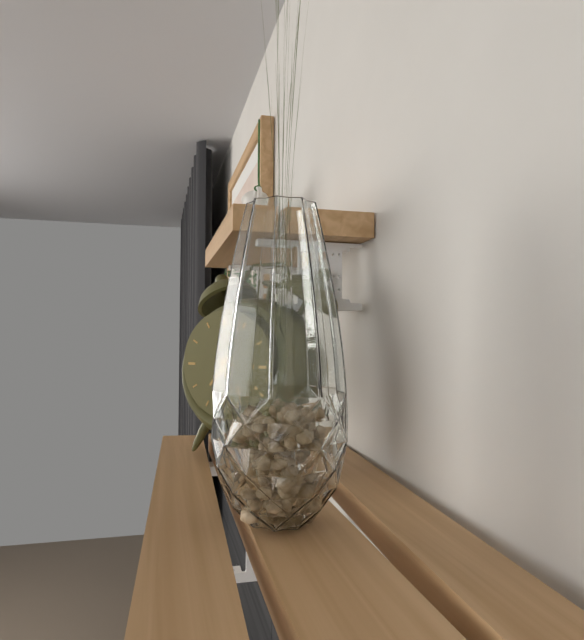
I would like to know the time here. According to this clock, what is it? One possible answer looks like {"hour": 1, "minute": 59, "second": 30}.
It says {"hour": 7, "minute": 27, "second": 4}
